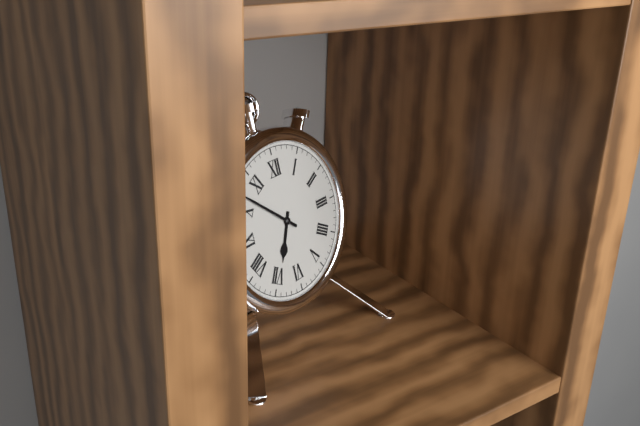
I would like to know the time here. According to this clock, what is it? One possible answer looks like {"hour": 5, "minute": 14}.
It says {"hour": 6, "minute": 52}
